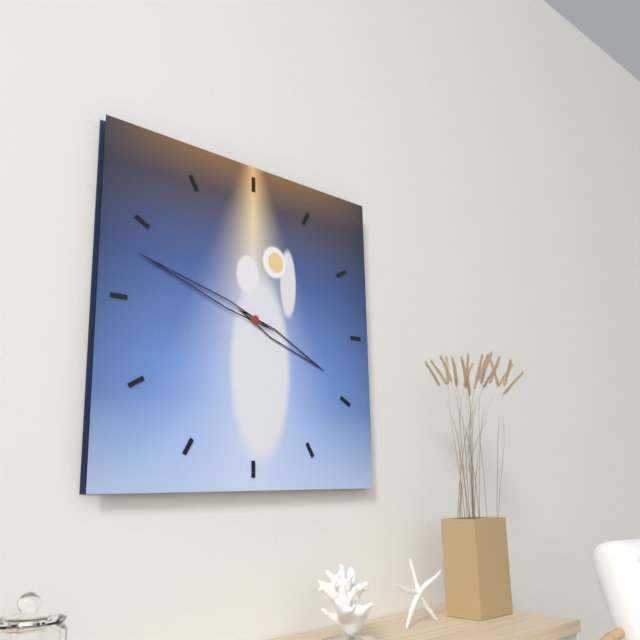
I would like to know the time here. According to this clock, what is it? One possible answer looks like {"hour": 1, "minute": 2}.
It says {"hour": 3, "minute": 48}
